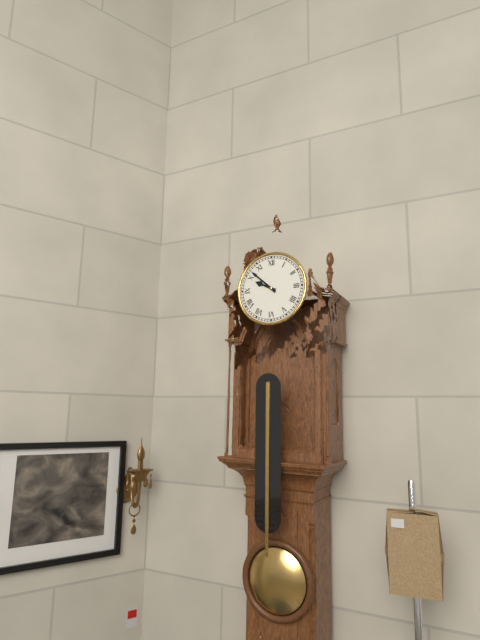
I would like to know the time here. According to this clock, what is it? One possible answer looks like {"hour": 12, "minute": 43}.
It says {"hour": 9, "minute": 52}
